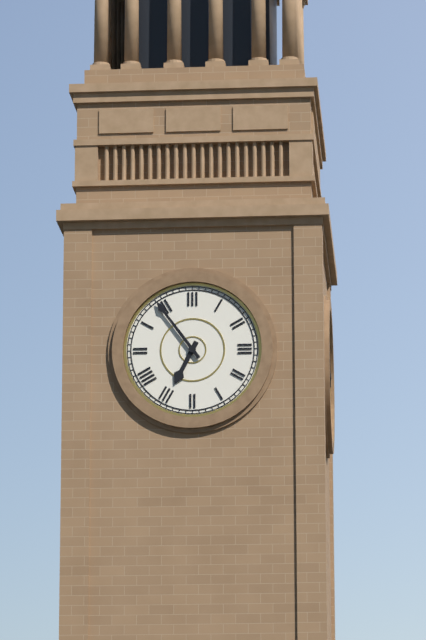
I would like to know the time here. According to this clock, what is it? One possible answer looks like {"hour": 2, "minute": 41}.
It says {"hour": 6, "minute": 54}
